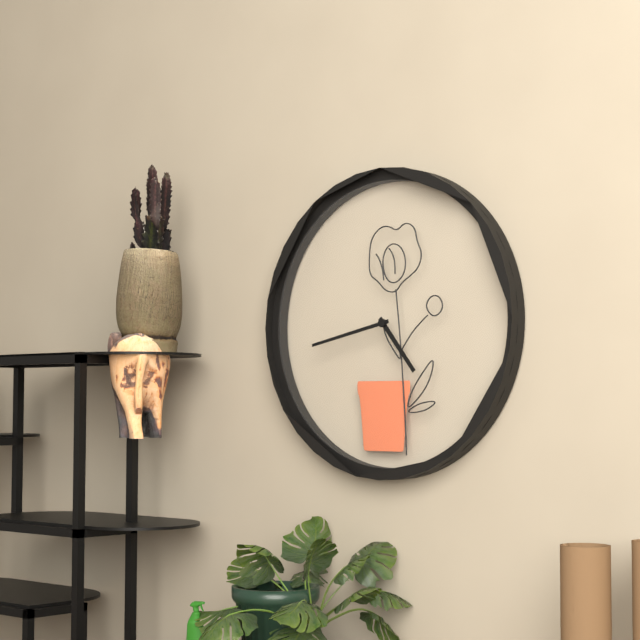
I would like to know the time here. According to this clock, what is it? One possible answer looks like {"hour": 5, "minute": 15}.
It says {"hour": 4, "minute": 43}
